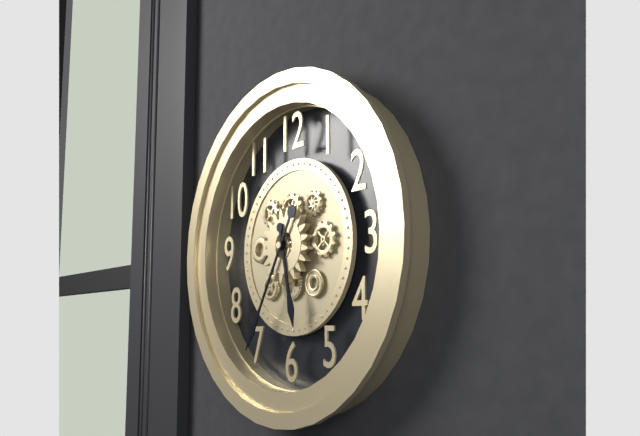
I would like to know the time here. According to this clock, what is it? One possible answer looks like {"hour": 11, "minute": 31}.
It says {"hour": 5, "minute": 35}
